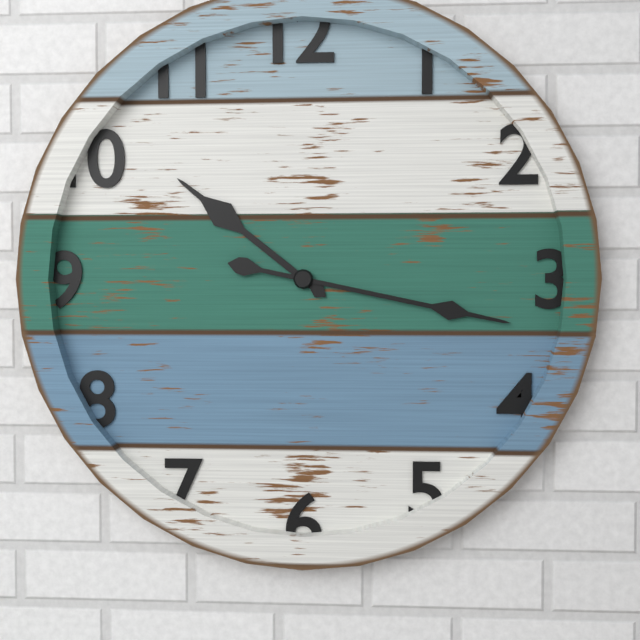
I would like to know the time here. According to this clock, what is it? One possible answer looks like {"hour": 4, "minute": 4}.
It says {"hour": 10, "minute": 17}
